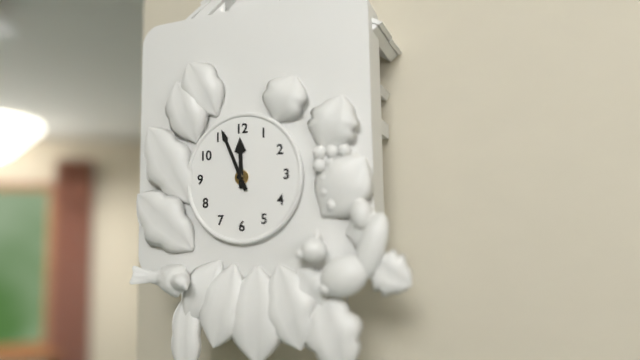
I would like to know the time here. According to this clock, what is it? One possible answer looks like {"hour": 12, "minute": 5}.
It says {"hour": 11, "minute": 56}
